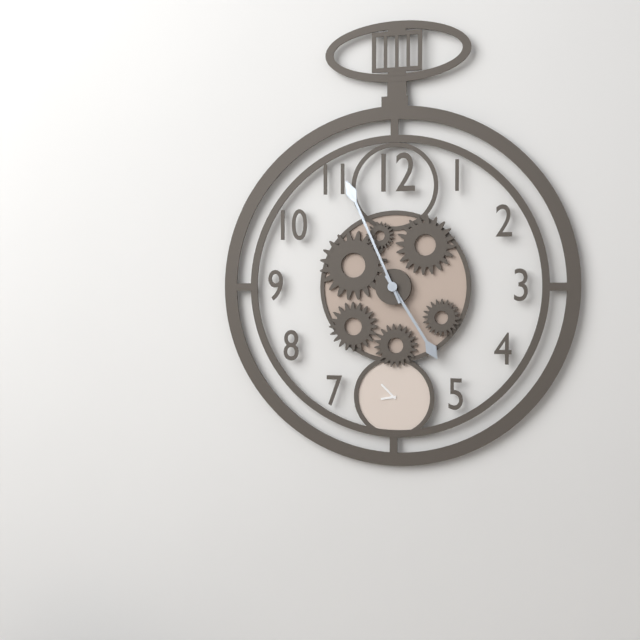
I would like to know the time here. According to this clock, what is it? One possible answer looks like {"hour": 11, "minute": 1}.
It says {"hour": 4, "minute": 56}
